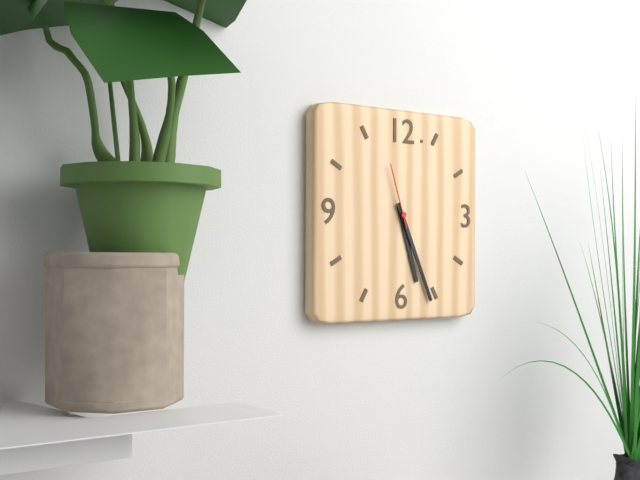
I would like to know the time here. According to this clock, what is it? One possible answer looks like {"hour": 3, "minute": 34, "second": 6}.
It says {"hour": 5, "minute": 26, "second": 57}
